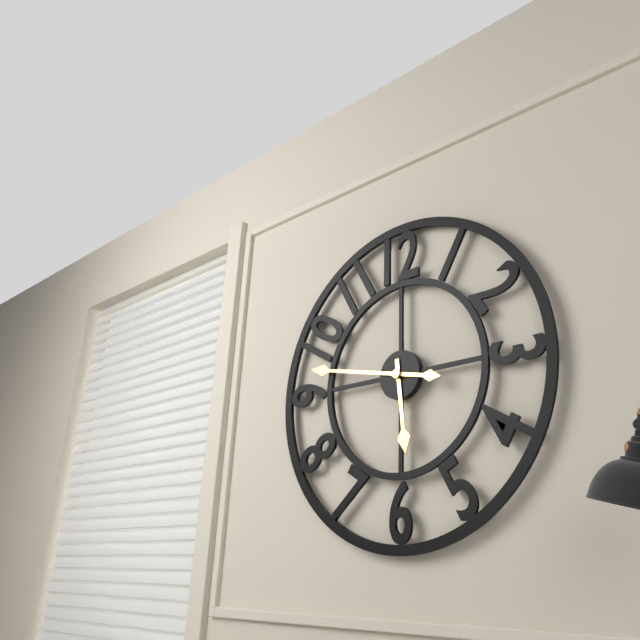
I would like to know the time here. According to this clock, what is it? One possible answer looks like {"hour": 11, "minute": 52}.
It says {"hour": 5, "minute": 47}
